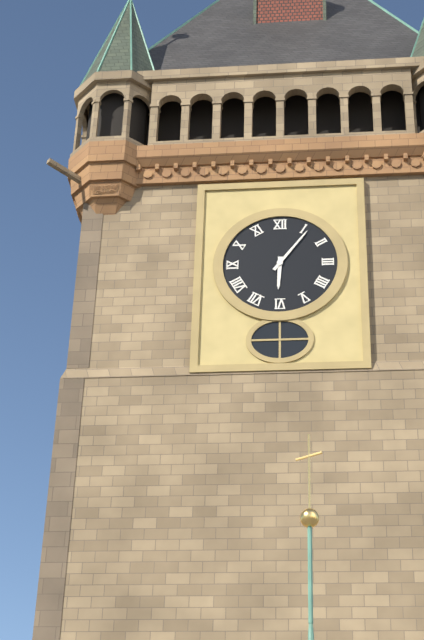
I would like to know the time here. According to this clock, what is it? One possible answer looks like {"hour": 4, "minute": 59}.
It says {"hour": 6, "minute": 6}
